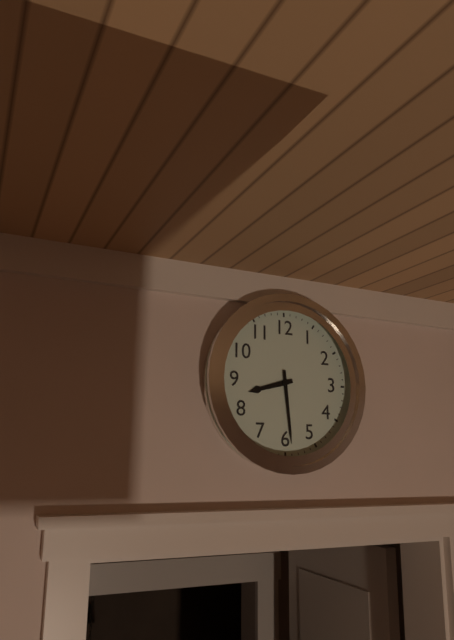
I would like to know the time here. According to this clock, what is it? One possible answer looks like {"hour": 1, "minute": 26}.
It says {"hour": 8, "minute": 29}
